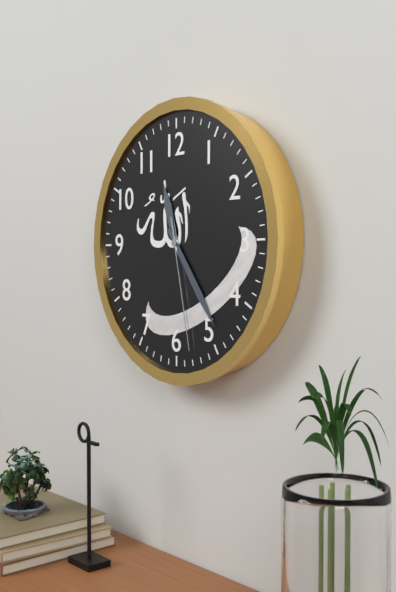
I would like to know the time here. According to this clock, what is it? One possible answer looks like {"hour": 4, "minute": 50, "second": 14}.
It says {"hour": 11, "minute": 24, "second": 28}
